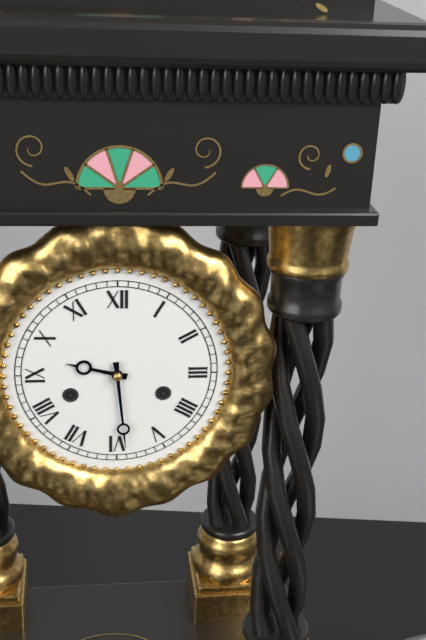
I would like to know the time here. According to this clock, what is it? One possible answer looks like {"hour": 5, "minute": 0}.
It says {"hour": 9, "minute": 29}
